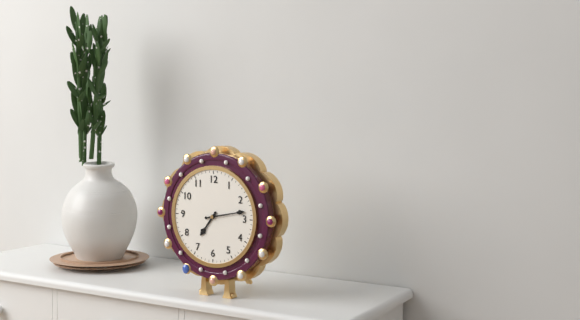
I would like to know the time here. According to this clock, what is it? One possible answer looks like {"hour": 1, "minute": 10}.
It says {"hour": 7, "minute": 13}
